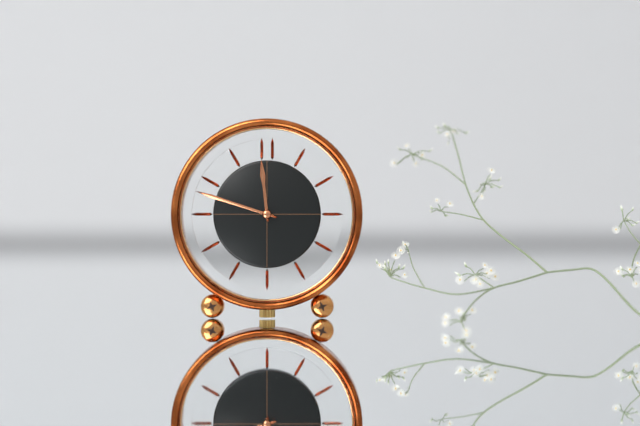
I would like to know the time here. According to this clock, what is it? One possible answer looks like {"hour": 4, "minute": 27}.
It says {"hour": 11, "minute": 48}
